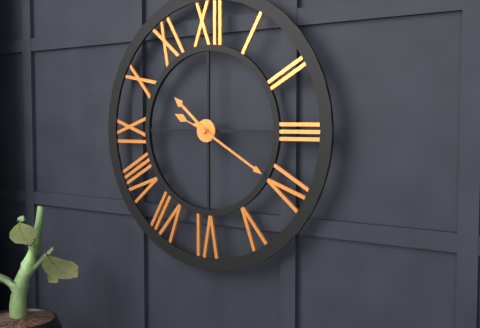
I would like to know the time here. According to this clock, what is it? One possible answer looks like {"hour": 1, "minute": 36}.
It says {"hour": 10, "minute": 20}
